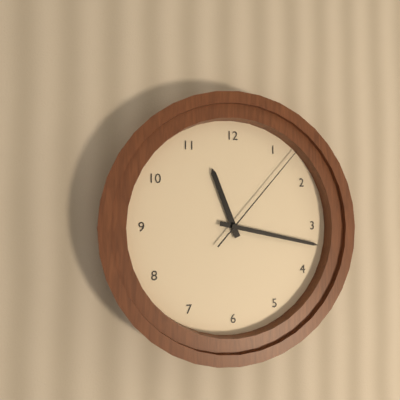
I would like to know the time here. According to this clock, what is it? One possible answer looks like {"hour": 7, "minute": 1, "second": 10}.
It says {"hour": 11, "minute": 17, "second": 7}
